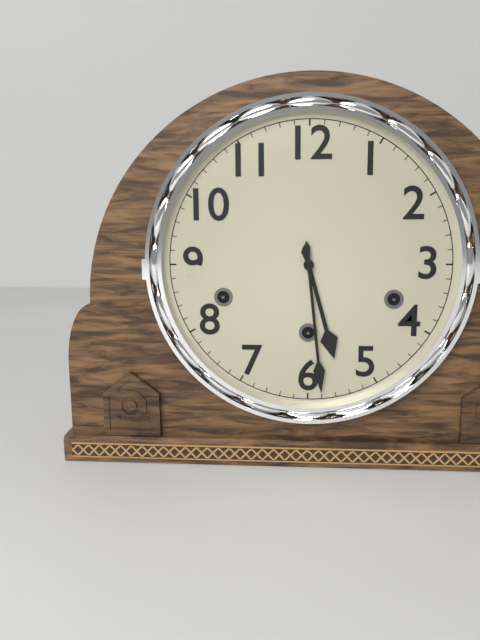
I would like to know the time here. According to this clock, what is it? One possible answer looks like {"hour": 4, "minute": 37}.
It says {"hour": 5, "minute": 29}
